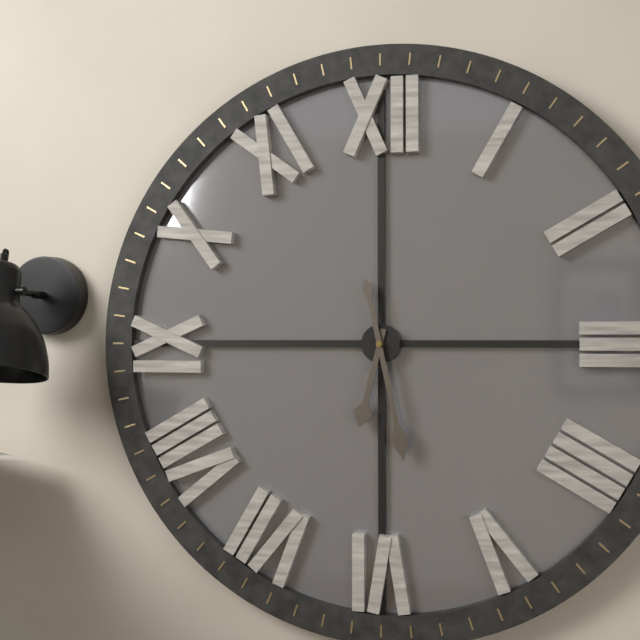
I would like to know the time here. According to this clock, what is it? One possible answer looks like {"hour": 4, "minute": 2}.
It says {"hour": 6, "minute": 28}
